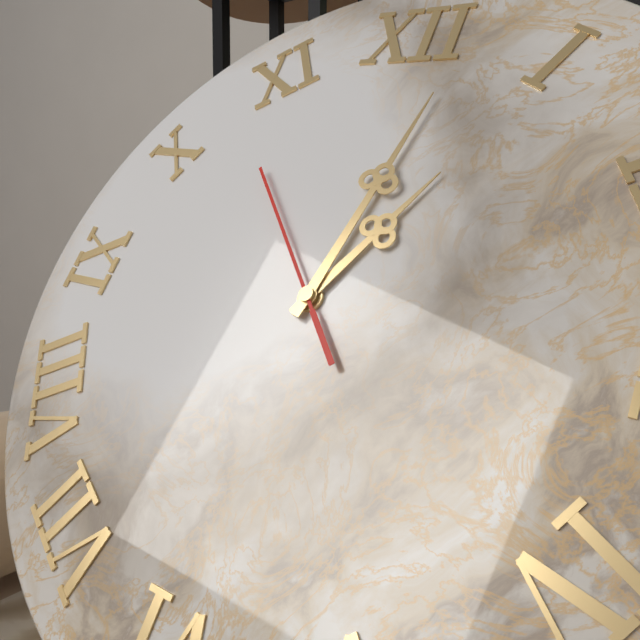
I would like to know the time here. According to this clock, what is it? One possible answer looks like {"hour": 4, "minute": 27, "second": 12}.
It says {"hour": 1, "minute": 2, "second": 53}
